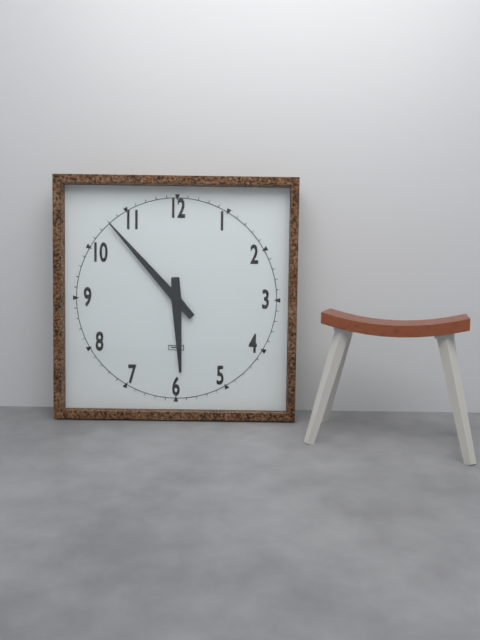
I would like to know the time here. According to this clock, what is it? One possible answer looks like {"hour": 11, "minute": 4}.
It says {"hour": 5, "minute": 53}
